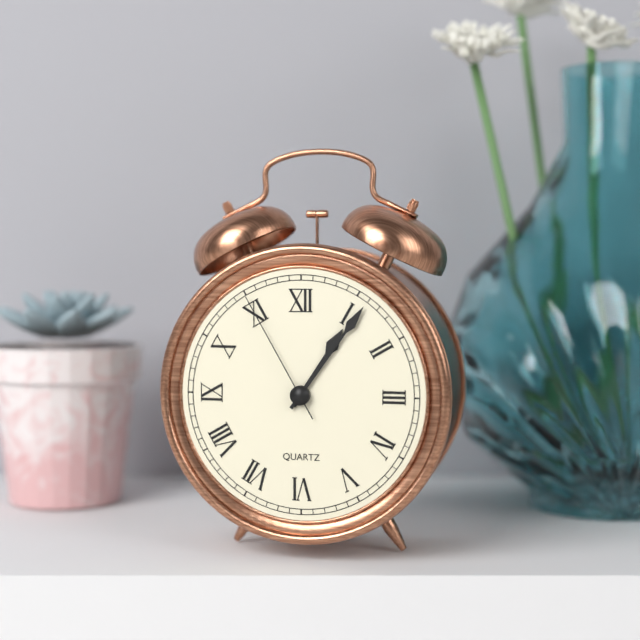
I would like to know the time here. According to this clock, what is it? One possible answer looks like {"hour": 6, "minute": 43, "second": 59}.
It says {"hour": 1, "minute": 6, "second": 55}
